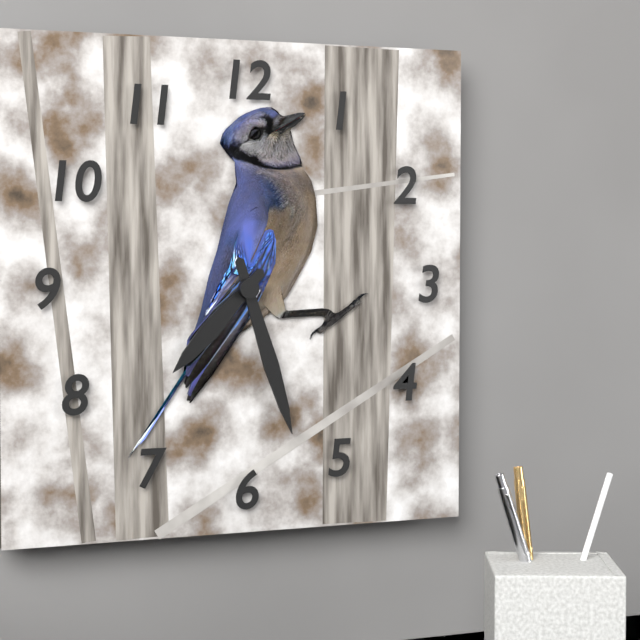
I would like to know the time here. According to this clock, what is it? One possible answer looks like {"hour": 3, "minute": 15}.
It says {"hour": 7, "minute": 27}
